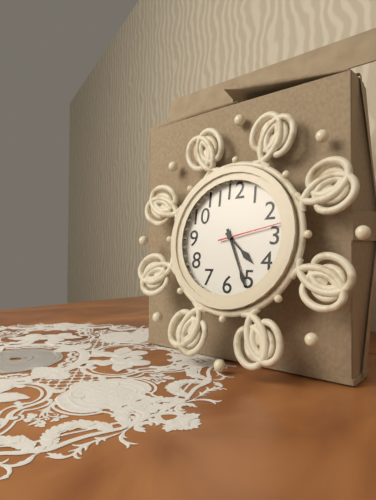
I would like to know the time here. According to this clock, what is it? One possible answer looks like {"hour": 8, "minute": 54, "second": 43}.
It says {"hour": 4, "minute": 26, "second": 13}
